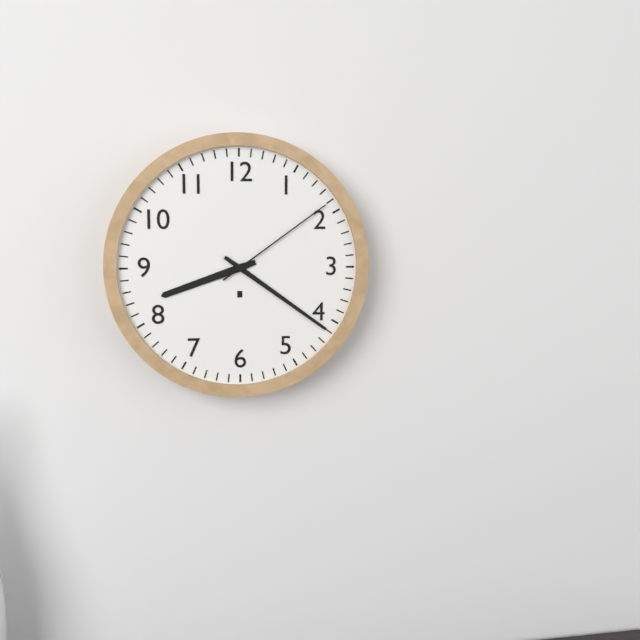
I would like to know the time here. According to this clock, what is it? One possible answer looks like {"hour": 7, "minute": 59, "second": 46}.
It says {"hour": 8, "minute": 21, "second": 9}
